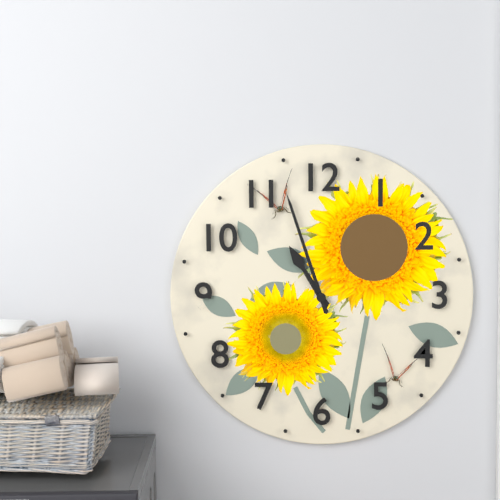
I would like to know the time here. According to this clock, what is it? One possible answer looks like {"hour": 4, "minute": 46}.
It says {"hour": 10, "minute": 57}
